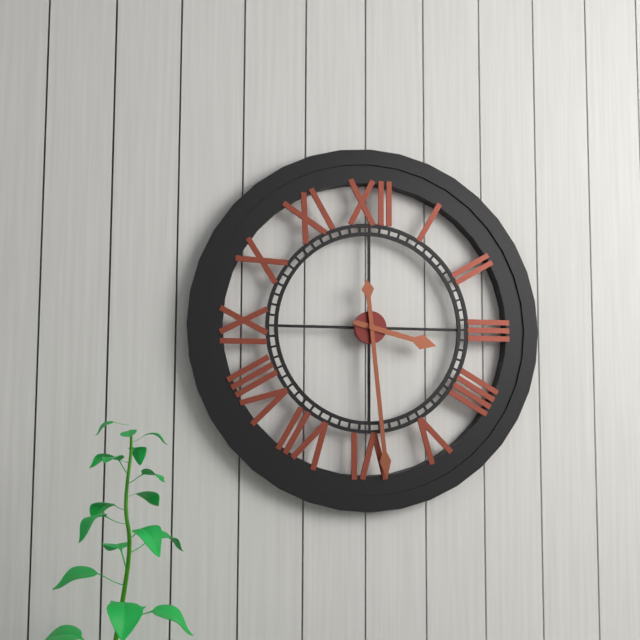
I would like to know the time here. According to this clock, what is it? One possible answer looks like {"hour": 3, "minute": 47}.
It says {"hour": 3, "minute": 29}
